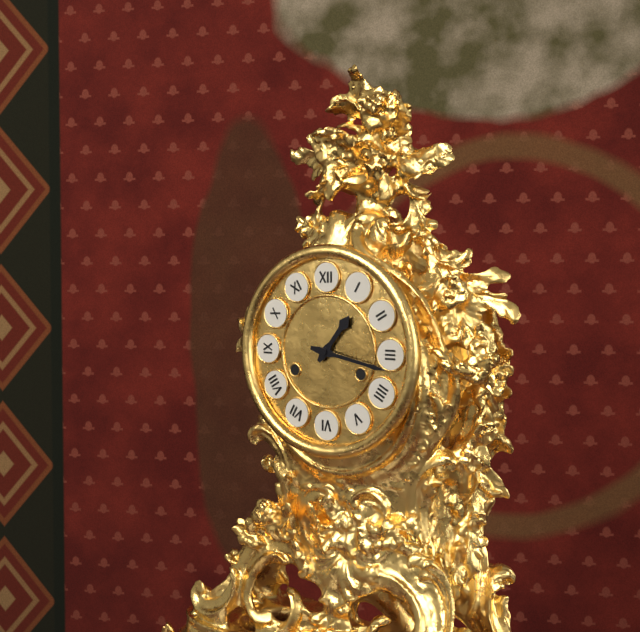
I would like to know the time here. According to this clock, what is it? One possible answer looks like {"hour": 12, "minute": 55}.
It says {"hour": 1, "minute": 17}
